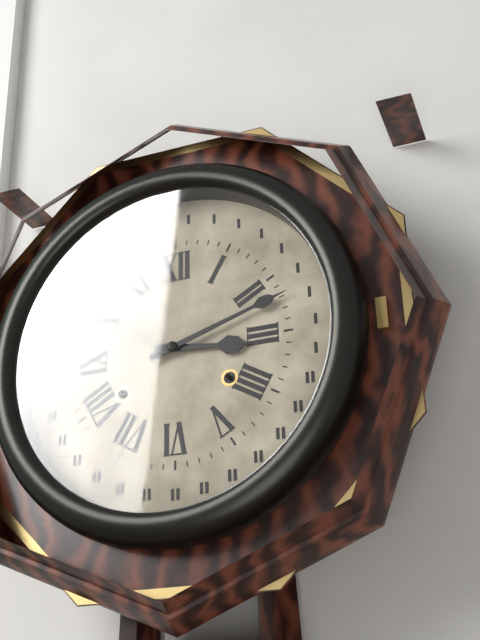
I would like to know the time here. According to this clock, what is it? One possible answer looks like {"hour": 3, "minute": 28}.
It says {"hour": 3, "minute": 12}
